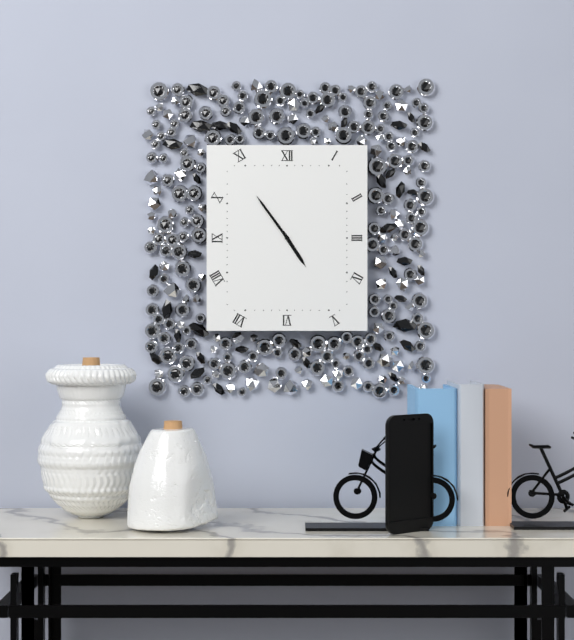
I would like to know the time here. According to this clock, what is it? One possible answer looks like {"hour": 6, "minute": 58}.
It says {"hour": 4, "minute": 54}
